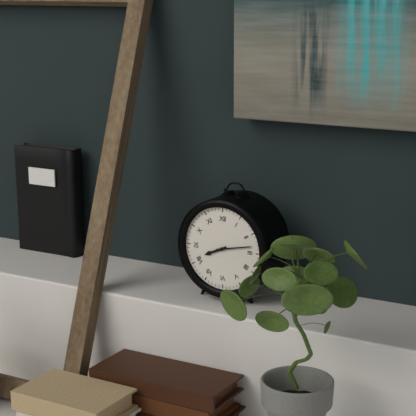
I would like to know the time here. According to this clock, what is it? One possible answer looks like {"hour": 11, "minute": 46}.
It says {"hour": 8, "minute": 13}
